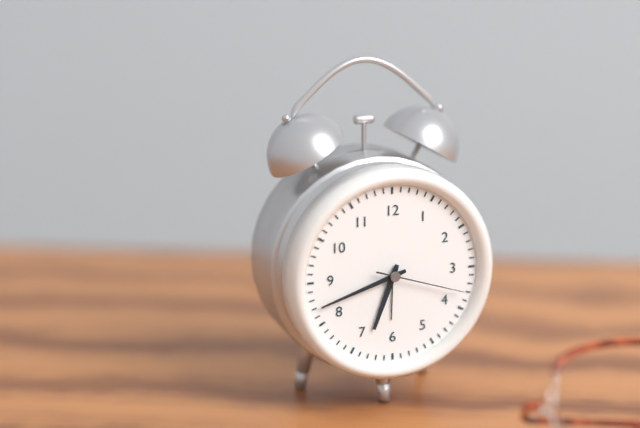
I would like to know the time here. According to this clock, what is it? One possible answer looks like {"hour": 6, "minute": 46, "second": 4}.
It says {"hour": 6, "minute": 42, "second": 18}
